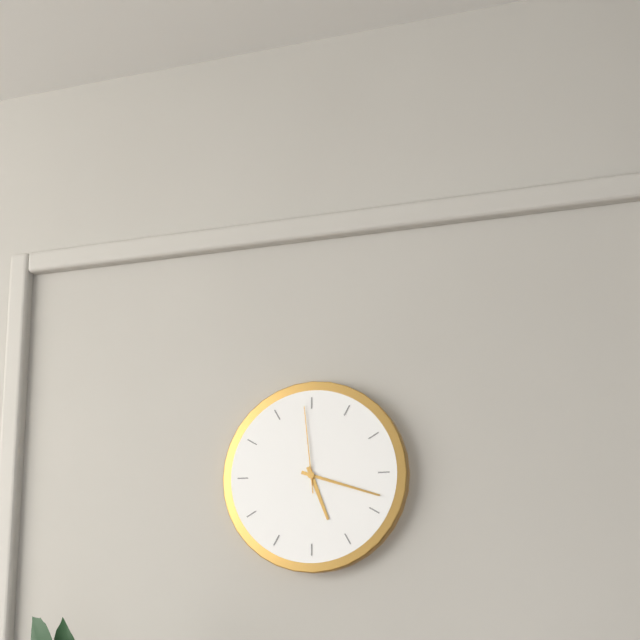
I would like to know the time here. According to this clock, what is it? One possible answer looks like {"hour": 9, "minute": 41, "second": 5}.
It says {"hour": 5, "minute": 18, "second": 59}
